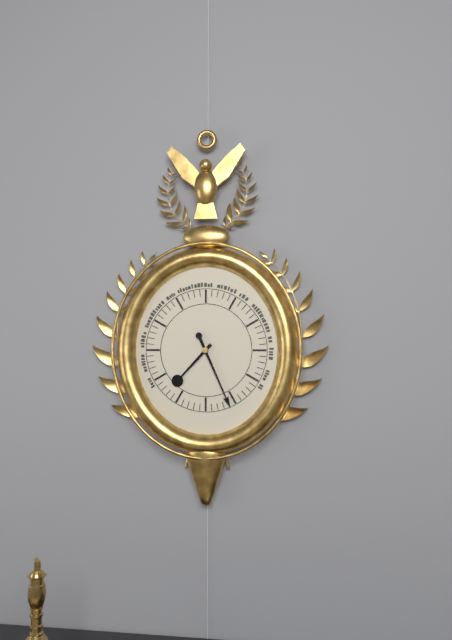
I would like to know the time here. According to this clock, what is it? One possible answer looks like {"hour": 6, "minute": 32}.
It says {"hour": 7, "minute": 26}
